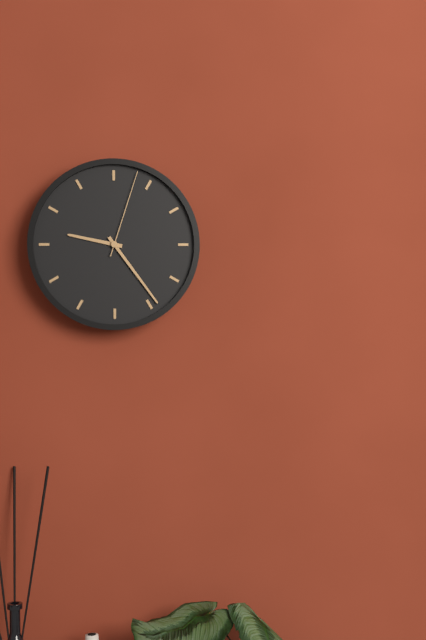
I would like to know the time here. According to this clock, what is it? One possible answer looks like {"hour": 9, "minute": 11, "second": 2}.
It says {"hour": 9, "minute": 24, "second": 3}
